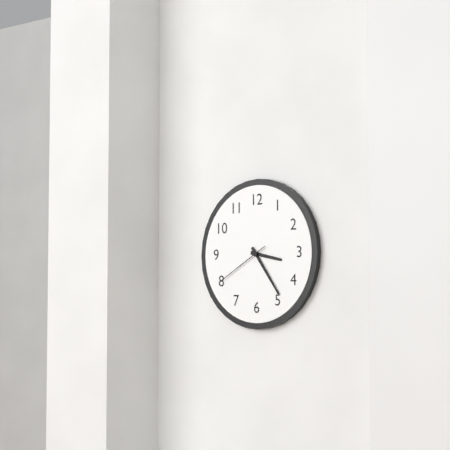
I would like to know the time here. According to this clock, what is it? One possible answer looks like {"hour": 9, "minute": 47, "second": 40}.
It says {"hour": 3, "minute": 24, "second": 40}
